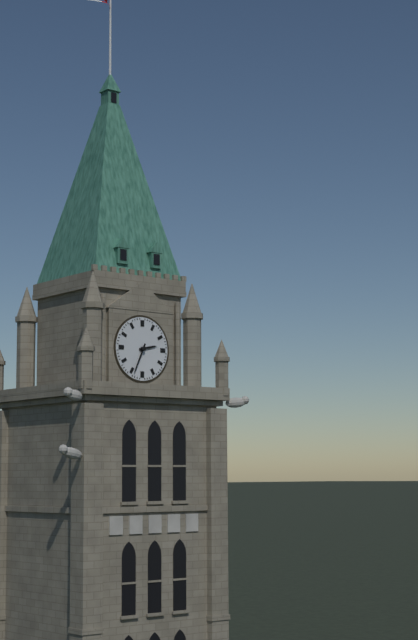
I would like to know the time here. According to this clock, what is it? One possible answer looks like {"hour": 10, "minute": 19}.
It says {"hour": 2, "minute": 34}
